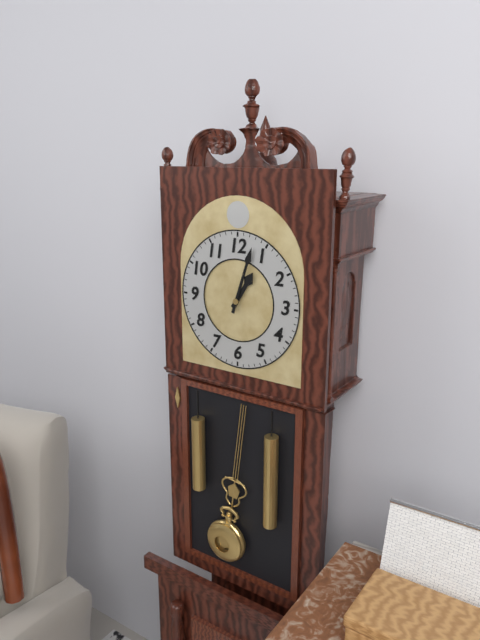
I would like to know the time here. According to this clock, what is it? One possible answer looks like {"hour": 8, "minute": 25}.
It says {"hour": 1, "minute": 3}
